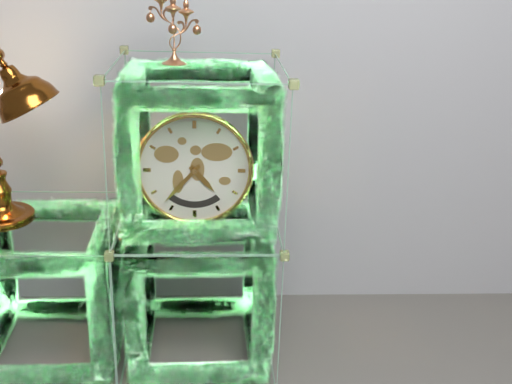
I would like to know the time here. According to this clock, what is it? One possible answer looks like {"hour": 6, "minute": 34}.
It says {"hour": 4, "minute": 37}
